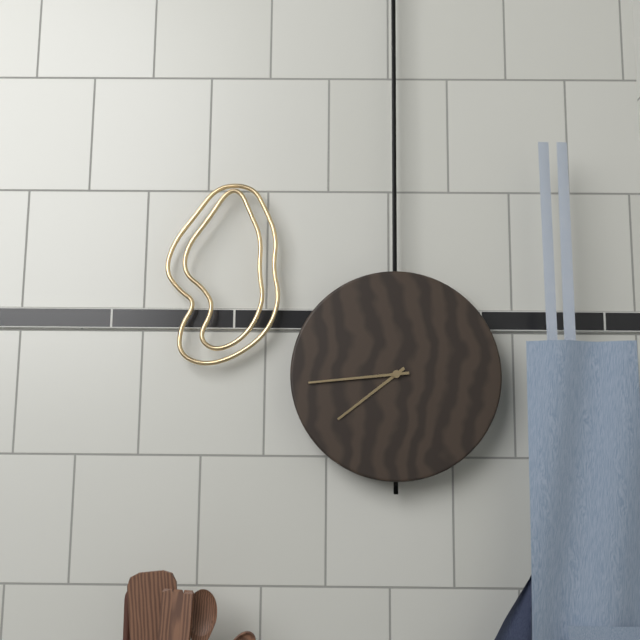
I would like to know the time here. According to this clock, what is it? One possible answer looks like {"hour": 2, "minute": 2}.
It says {"hour": 7, "minute": 44}
